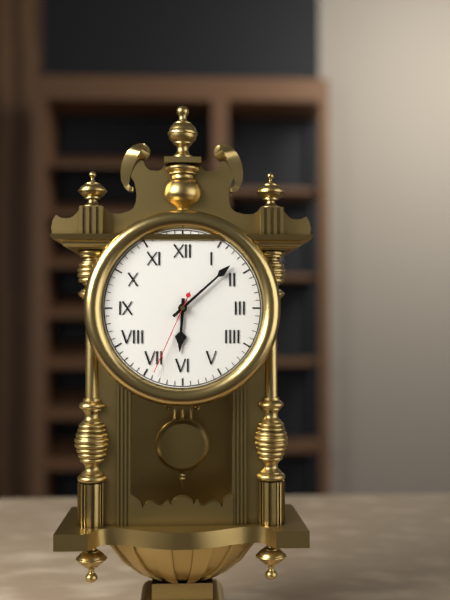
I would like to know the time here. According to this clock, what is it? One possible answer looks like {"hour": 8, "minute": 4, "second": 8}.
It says {"hour": 6, "minute": 8, "second": 34}
